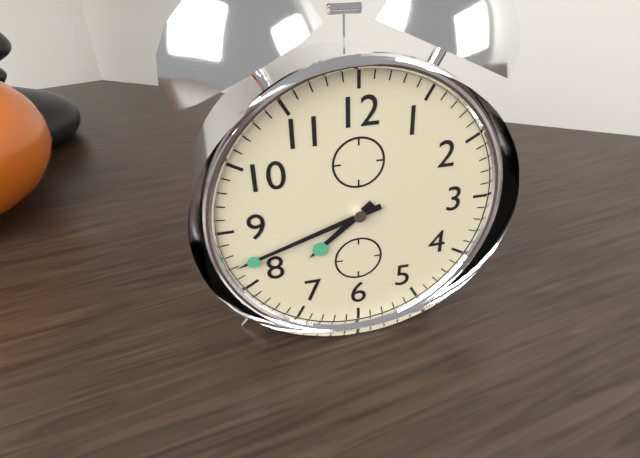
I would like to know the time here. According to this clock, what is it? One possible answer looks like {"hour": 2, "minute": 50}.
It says {"hour": 7, "minute": 42}
